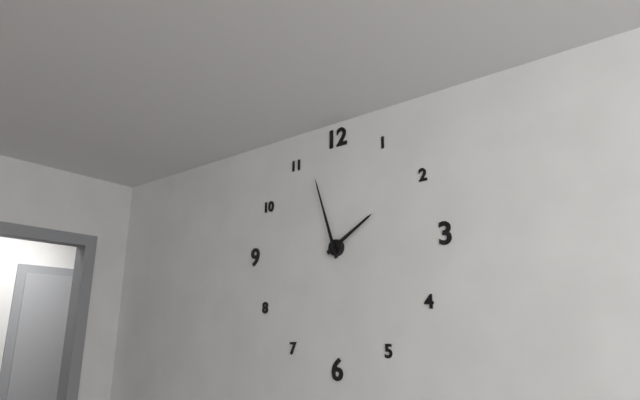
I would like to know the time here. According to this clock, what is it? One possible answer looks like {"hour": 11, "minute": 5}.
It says {"hour": 1, "minute": 57}
